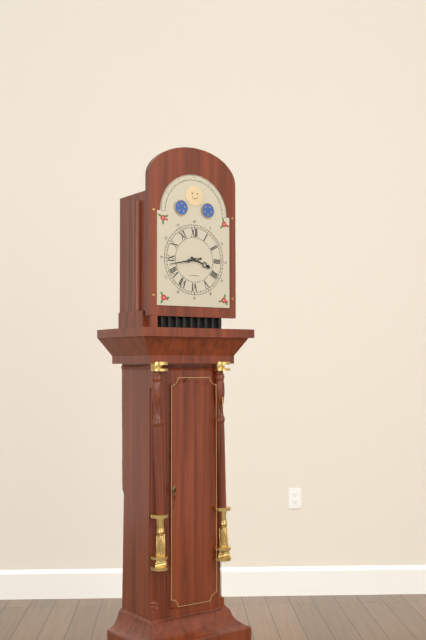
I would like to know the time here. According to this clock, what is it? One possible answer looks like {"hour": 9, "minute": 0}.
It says {"hour": 3, "minute": 43}
